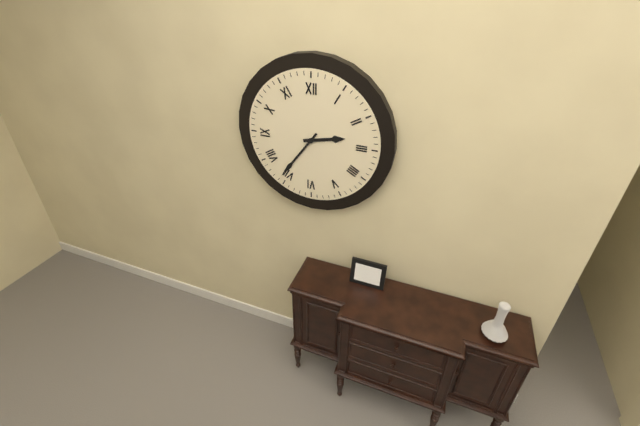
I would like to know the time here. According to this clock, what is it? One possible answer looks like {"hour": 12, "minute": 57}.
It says {"hour": 2, "minute": 36}
